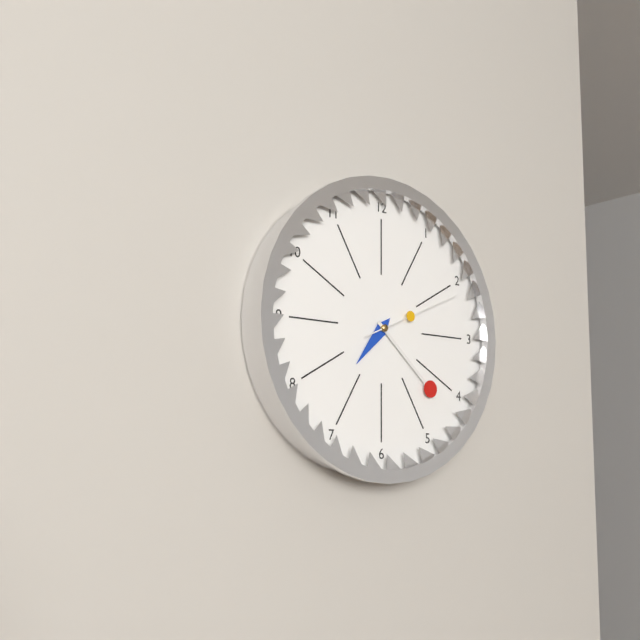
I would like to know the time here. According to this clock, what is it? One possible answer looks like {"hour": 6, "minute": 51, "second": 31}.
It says {"hour": 7, "minute": 22, "second": 11}
